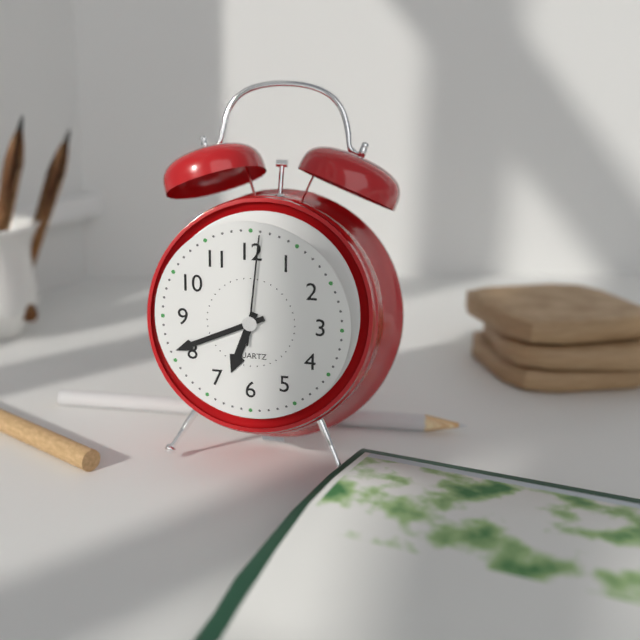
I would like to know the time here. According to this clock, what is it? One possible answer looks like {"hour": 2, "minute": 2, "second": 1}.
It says {"hour": 6, "minute": 41, "second": 1}
